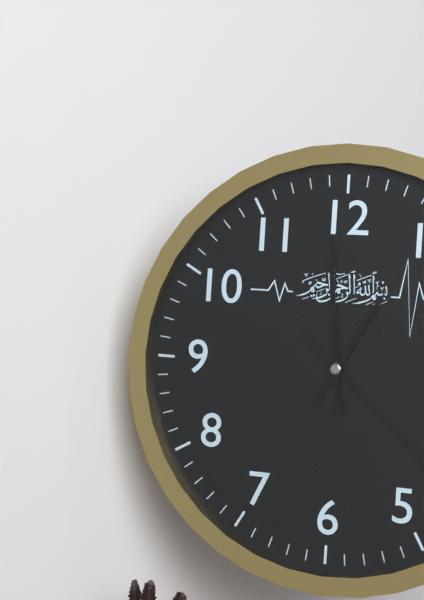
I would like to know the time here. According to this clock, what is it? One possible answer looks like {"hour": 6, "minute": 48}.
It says {"hour": 12, "minute": 59}
